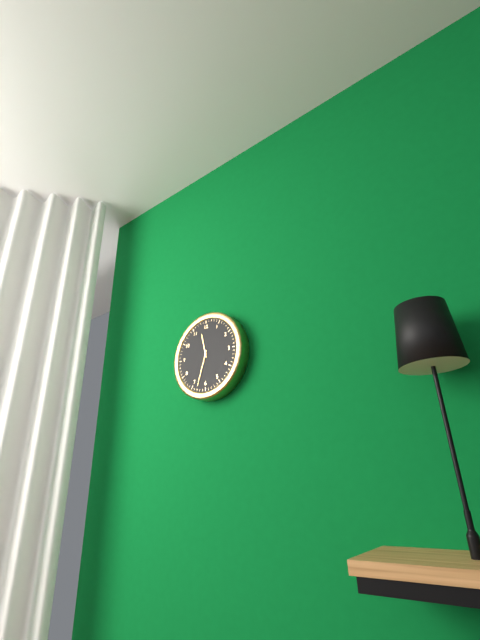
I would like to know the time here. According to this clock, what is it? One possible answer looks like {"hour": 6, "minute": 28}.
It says {"hour": 11, "minute": 33}
